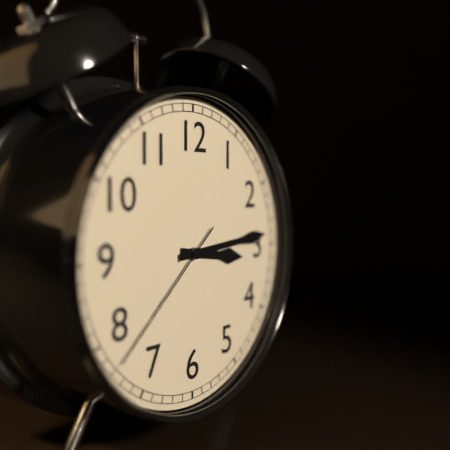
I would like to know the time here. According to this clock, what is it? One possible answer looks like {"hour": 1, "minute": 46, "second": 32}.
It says {"hour": 3, "minute": 14, "second": 38}
